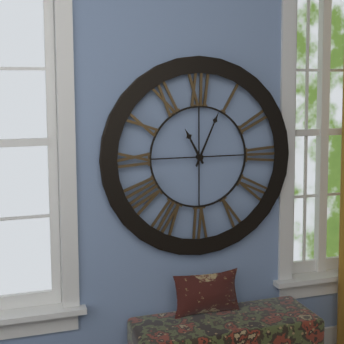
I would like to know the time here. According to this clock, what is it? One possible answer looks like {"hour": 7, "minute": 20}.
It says {"hour": 11, "minute": 4}
